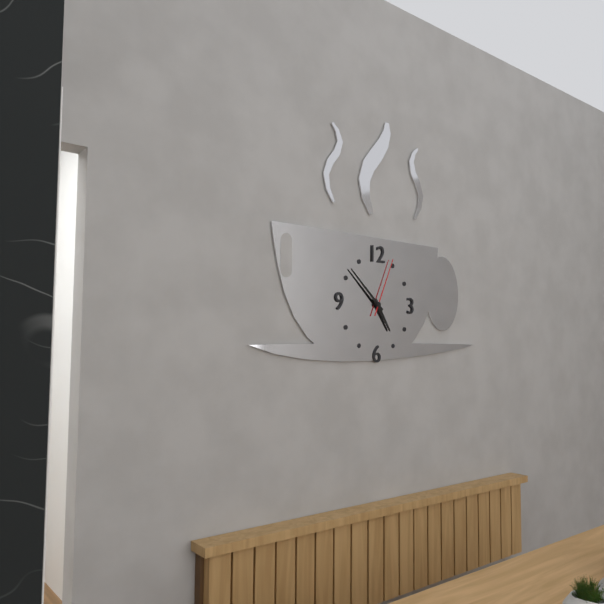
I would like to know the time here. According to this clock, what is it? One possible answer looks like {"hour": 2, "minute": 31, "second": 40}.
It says {"hour": 4, "minute": 52, "second": 4}
